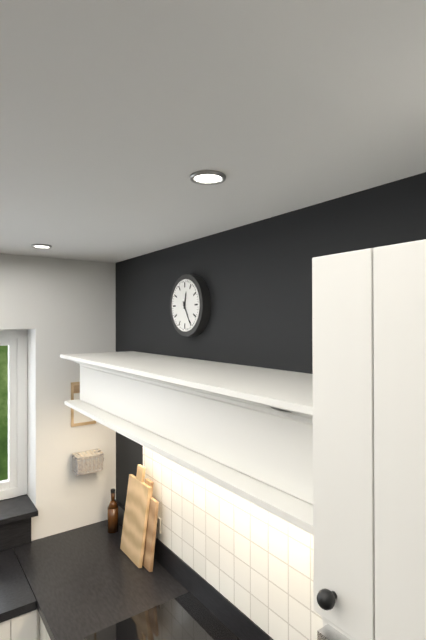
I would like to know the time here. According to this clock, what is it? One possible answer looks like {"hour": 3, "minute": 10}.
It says {"hour": 12, "minute": 25}
